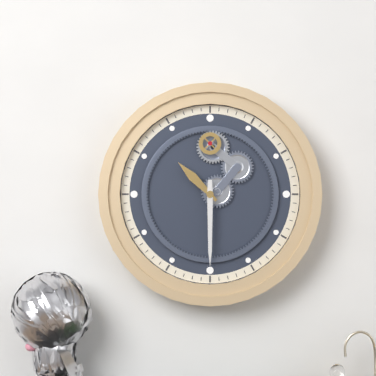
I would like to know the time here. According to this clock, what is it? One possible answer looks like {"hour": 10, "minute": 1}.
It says {"hour": 10, "minute": 30}
